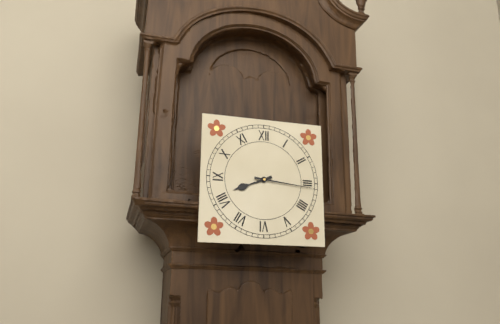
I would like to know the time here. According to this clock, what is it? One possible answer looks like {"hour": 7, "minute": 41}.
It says {"hour": 8, "minute": 16}
